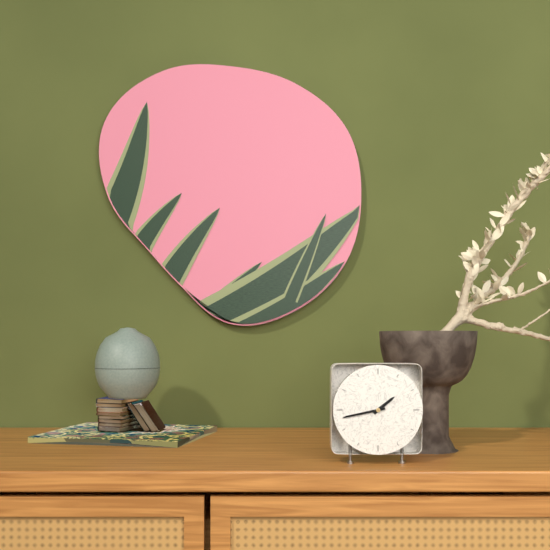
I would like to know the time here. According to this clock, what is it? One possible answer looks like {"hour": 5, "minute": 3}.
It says {"hour": 1, "minute": 43}
